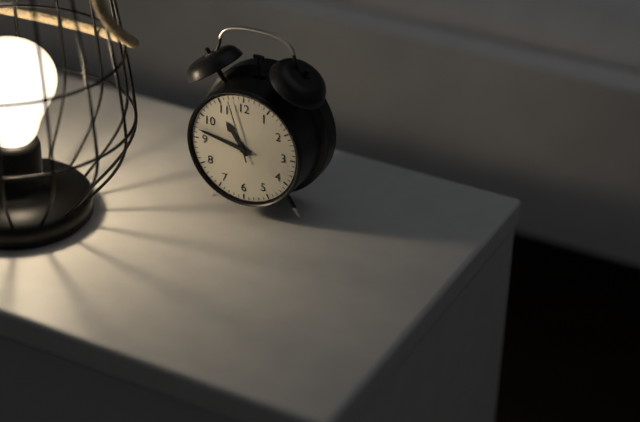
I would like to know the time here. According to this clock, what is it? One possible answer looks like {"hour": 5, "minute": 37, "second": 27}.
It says {"hour": 10, "minute": 47, "second": 57}
